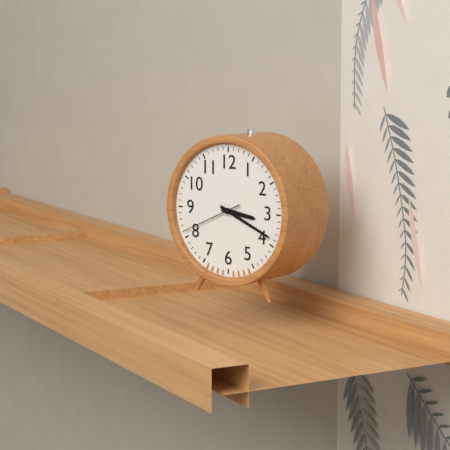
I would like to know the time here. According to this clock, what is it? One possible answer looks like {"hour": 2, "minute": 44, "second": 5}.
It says {"hour": 3, "minute": 19, "second": 41}
